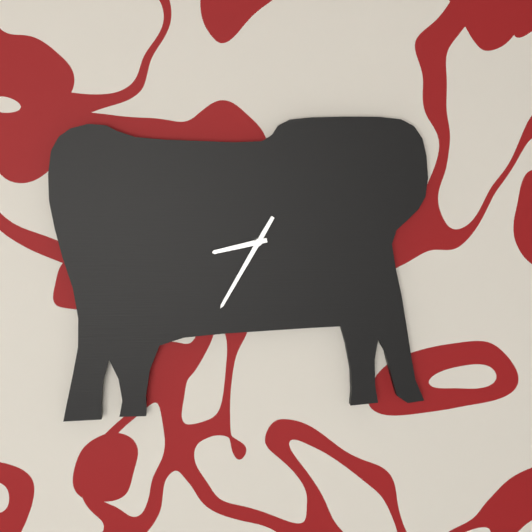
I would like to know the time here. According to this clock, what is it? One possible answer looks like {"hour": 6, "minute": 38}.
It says {"hour": 8, "minute": 35}
